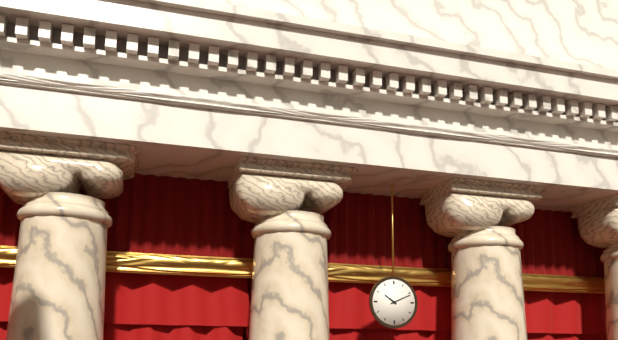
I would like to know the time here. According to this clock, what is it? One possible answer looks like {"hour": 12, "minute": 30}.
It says {"hour": 10, "minute": 11}
